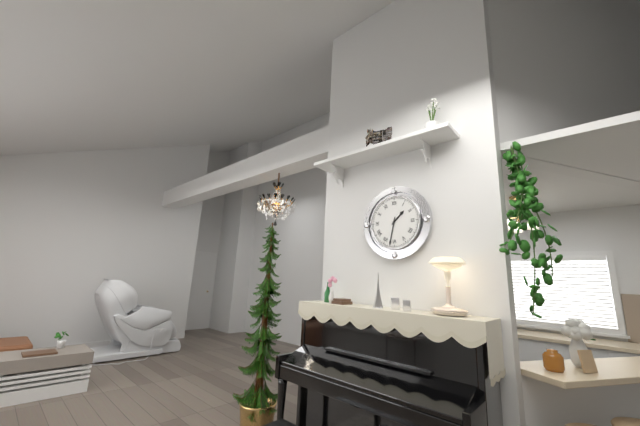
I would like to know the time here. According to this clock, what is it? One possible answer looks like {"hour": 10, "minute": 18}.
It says {"hour": 1, "minute": 32}
